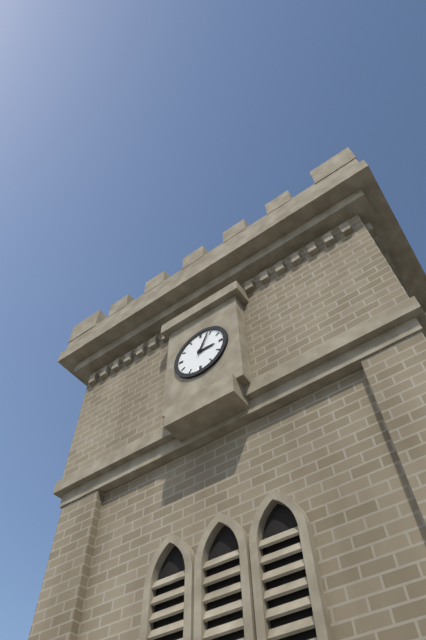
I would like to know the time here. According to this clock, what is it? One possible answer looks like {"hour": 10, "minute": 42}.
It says {"hour": 3, "minute": 4}
